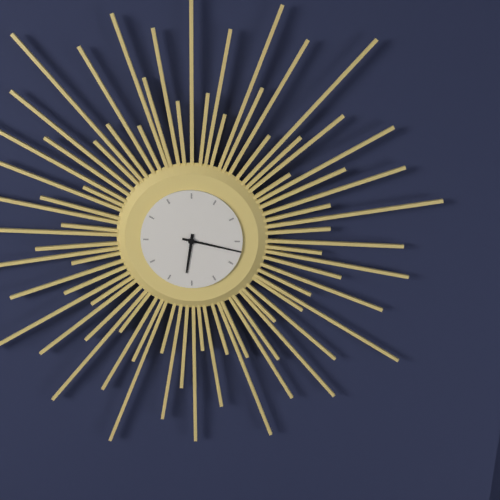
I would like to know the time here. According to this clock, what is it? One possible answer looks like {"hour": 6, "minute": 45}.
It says {"hour": 6, "minute": 17}
